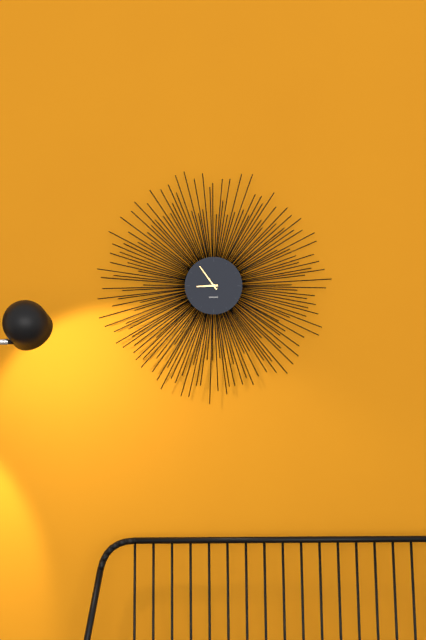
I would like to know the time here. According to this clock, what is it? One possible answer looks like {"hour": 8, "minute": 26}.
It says {"hour": 8, "minute": 54}
